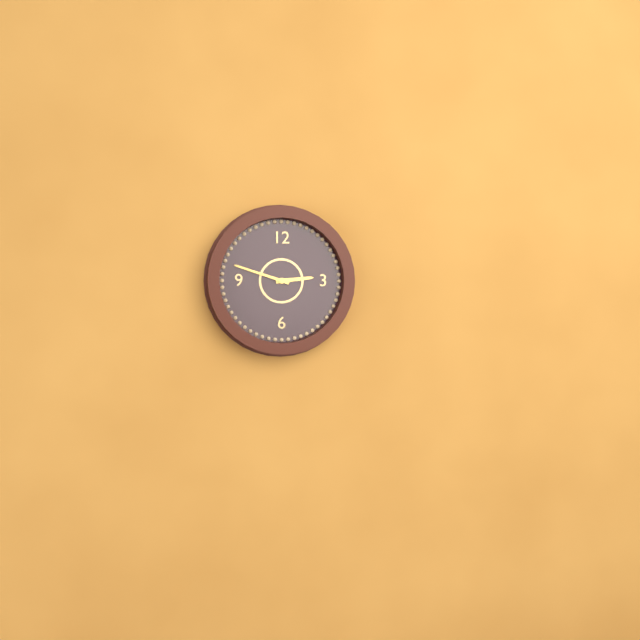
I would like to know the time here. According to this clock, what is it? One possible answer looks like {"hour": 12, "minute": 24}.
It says {"hour": 2, "minute": 48}
